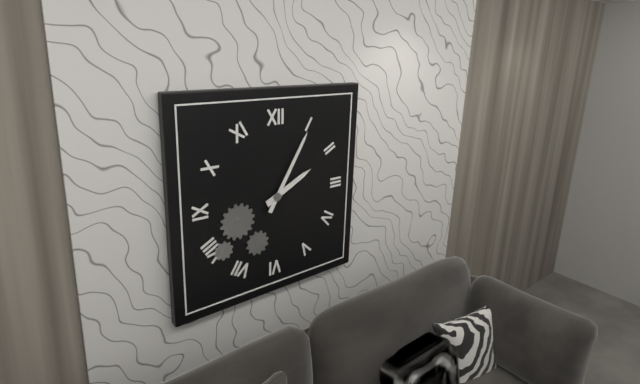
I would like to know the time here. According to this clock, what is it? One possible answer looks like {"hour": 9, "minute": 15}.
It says {"hour": 2, "minute": 5}
